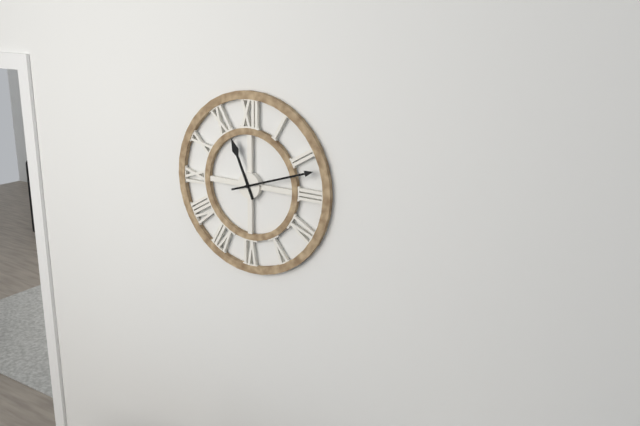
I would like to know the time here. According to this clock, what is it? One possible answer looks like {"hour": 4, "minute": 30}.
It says {"hour": 11, "minute": 12}
